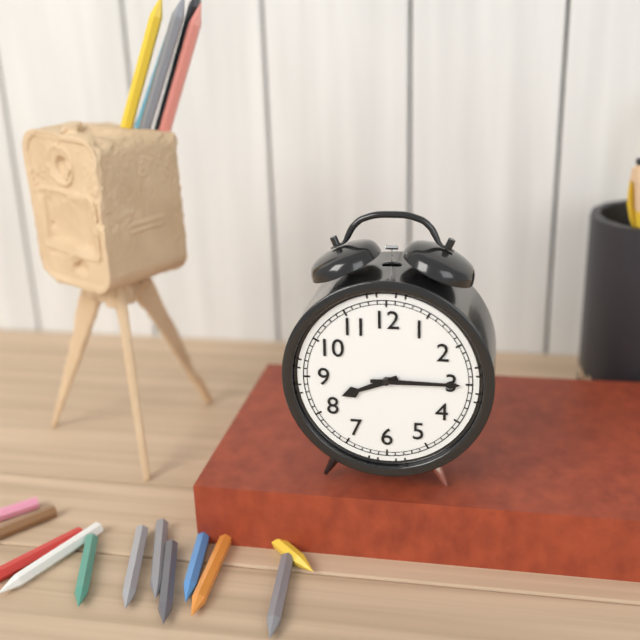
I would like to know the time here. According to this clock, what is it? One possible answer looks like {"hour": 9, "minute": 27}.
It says {"hour": 8, "minute": 15}
